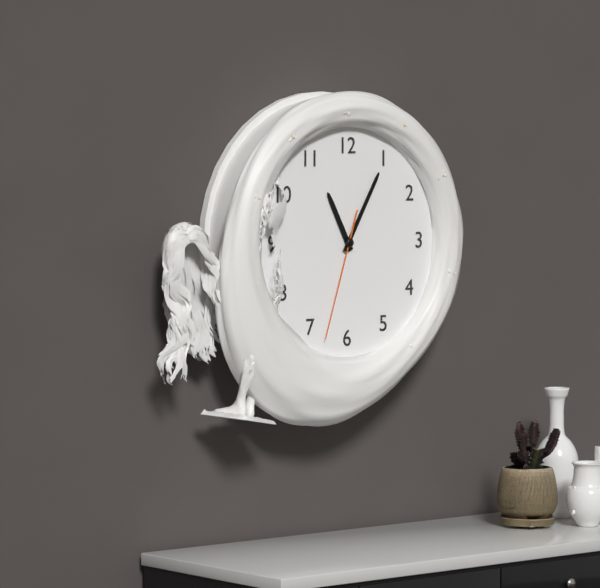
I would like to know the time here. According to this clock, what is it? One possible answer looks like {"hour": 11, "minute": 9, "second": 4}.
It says {"hour": 11, "minute": 5, "second": 33}
